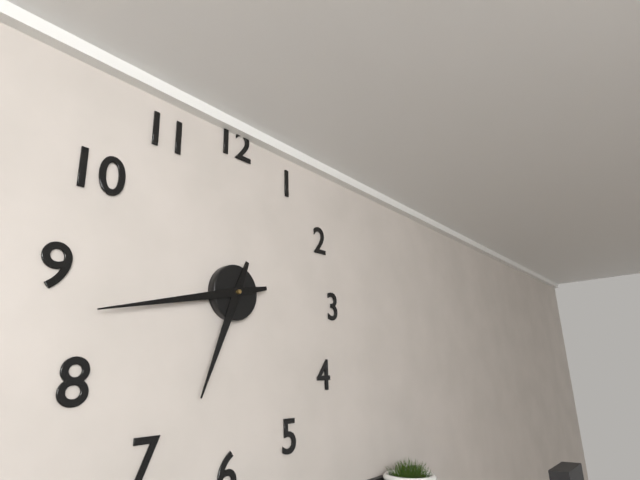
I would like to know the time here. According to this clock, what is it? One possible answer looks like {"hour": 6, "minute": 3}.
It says {"hour": 6, "minute": 43}
